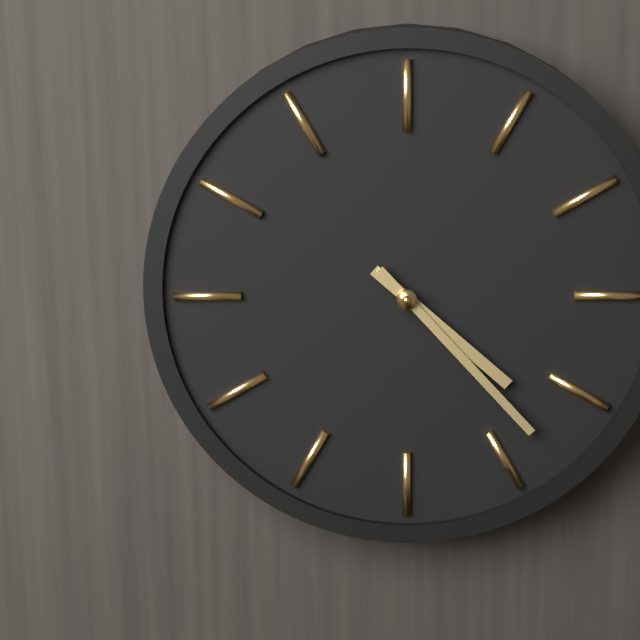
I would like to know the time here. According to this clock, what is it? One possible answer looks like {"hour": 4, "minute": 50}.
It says {"hour": 4, "minute": 23}
